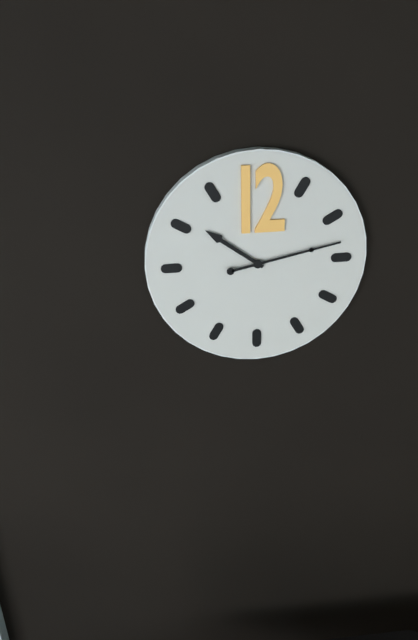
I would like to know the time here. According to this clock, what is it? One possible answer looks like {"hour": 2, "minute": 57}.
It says {"hour": 10, "minute": 13}
